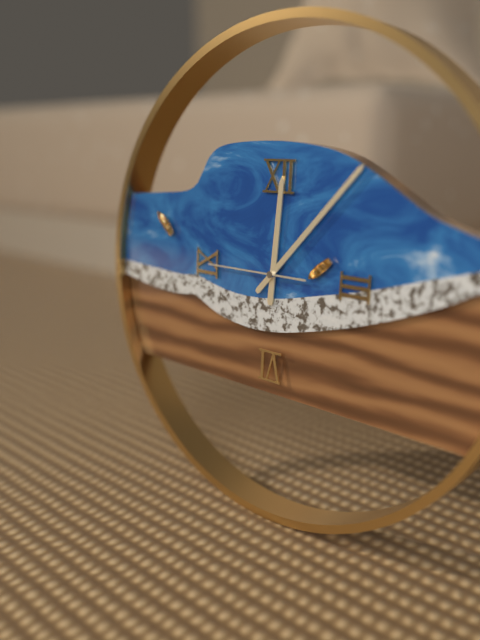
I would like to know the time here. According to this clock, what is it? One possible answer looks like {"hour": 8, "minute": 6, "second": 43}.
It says {"hour": 12, "minute": 7, "second": 45}
